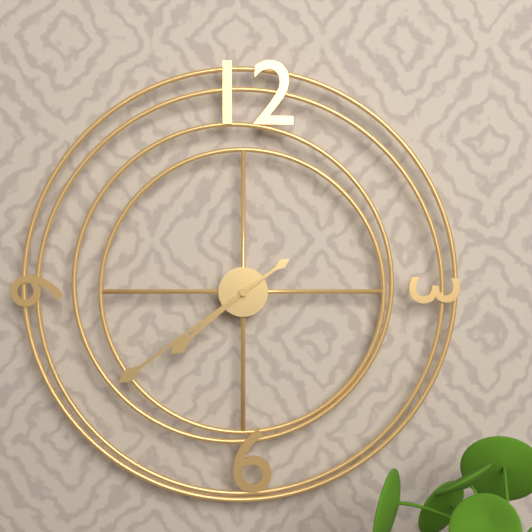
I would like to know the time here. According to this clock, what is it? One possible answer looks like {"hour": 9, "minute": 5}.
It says {"hour": 7, "minute": 39}
